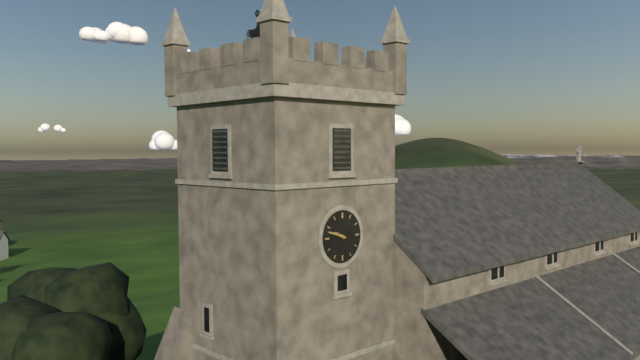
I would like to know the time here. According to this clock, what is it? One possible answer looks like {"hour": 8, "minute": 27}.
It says {"hour": 9, "minute": 48}
